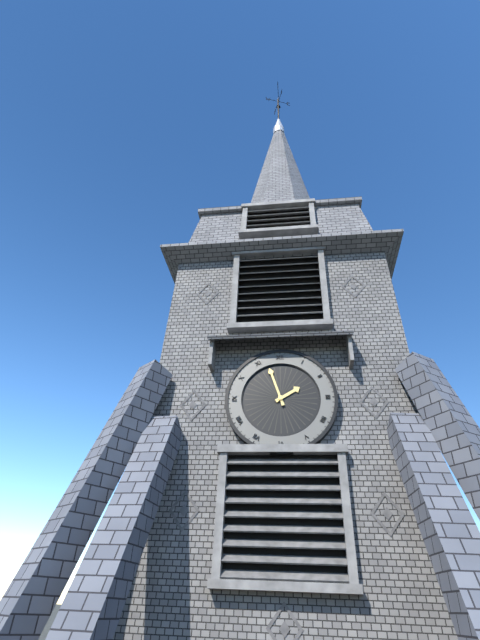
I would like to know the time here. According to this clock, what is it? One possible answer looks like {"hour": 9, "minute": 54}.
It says {"hour": 1, "minute": 57}
